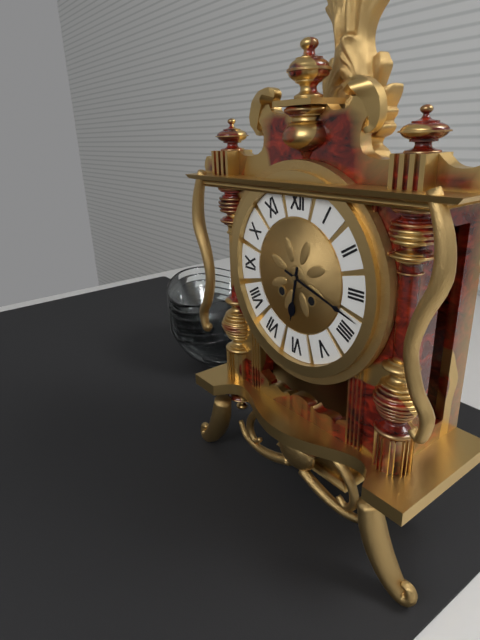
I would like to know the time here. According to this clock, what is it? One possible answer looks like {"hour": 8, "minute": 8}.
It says {"hour": 6, "minute": 18}
